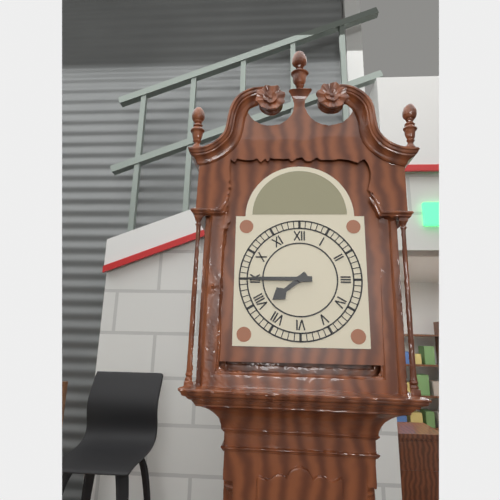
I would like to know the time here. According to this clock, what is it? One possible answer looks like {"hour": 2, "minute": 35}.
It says {"hour": 7, "minute": 45}
